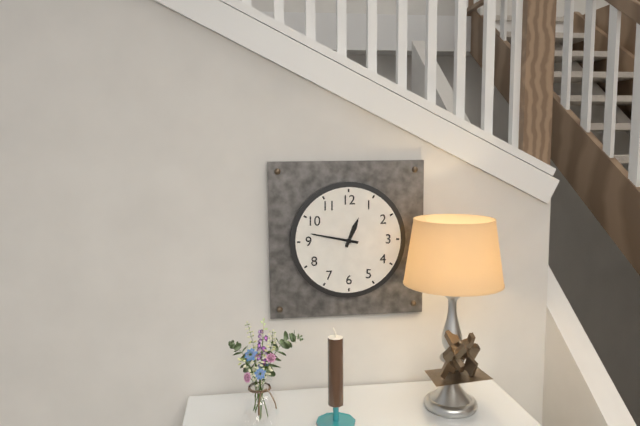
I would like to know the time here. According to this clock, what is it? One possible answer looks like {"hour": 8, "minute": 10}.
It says {"hour": 12, "minute": 47}
